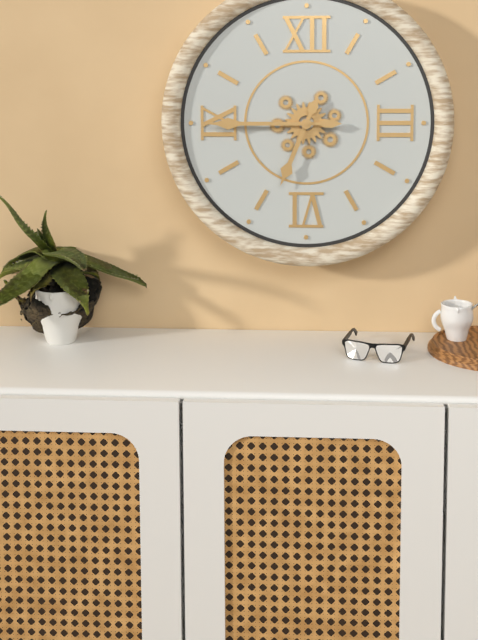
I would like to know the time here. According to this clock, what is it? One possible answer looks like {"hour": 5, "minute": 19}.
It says {"hour": 6, "minute": 45}
